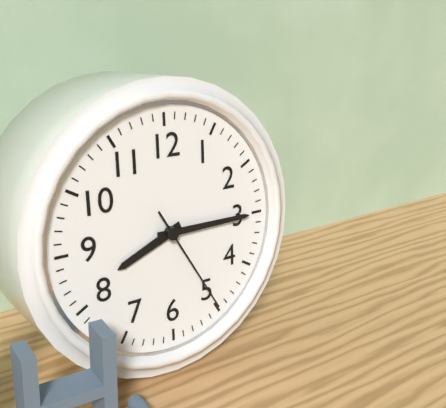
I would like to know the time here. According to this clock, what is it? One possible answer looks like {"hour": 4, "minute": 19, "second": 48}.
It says {"hour": 8, "minute": 15, "second": 25}
